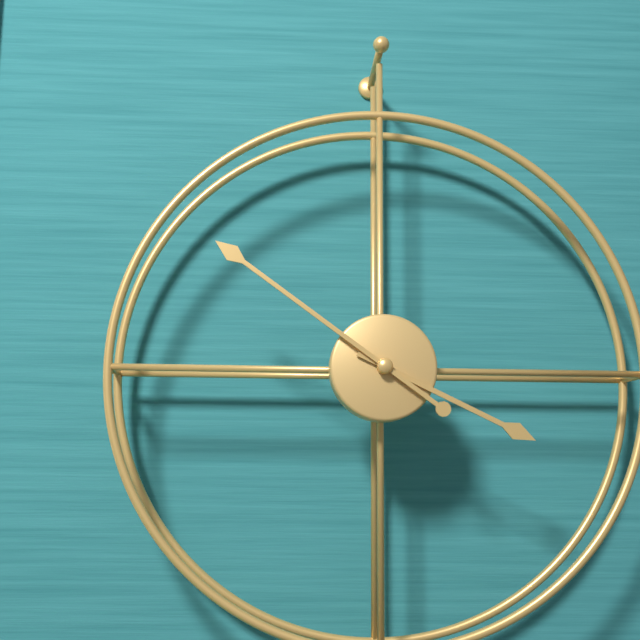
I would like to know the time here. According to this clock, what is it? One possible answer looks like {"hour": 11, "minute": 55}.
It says {"hour": 3, "minute": 51}
